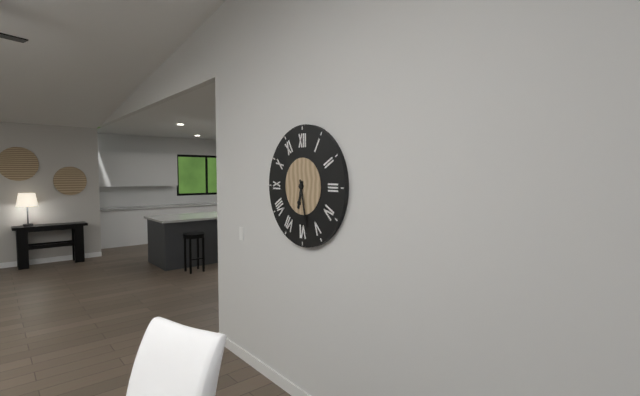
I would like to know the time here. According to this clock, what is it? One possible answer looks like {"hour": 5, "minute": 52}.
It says {"hour": 6, "minute": 28}
